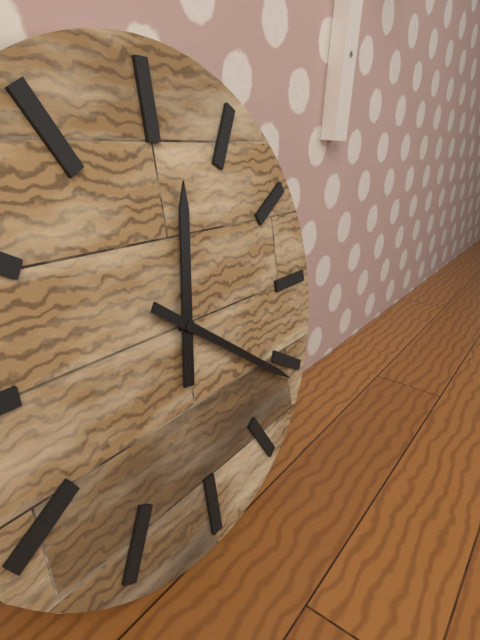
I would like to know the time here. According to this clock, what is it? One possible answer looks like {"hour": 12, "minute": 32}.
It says {"hour": 12, "minute": 21}
